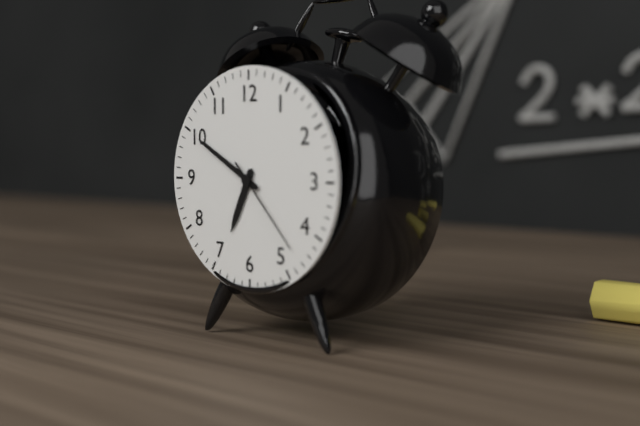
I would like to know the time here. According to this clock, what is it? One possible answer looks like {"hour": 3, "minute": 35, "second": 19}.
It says {"hour": 6, "minute": 50, "second": 23}
